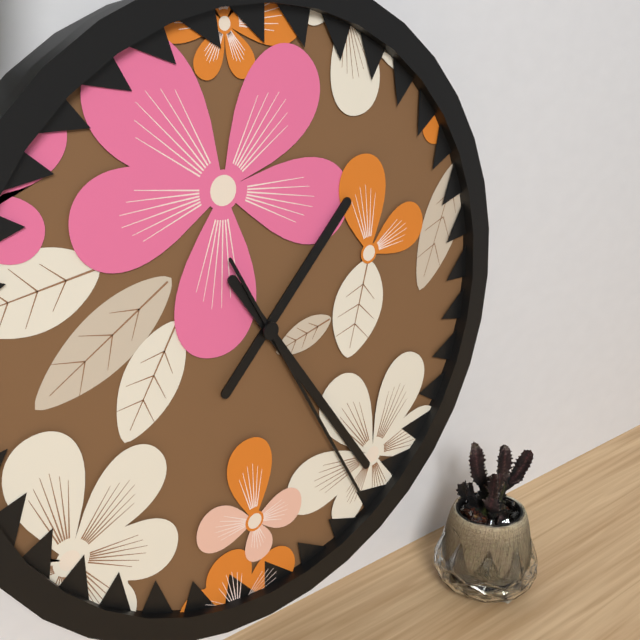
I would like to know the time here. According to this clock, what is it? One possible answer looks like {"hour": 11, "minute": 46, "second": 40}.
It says {"hour": 1, "minute": 24, "second": 25}
